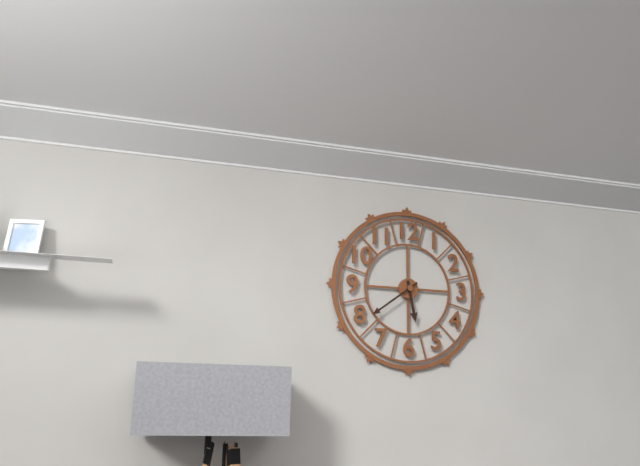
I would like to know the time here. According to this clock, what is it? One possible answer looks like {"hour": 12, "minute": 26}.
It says {"hour": 5, "minute": 39}
